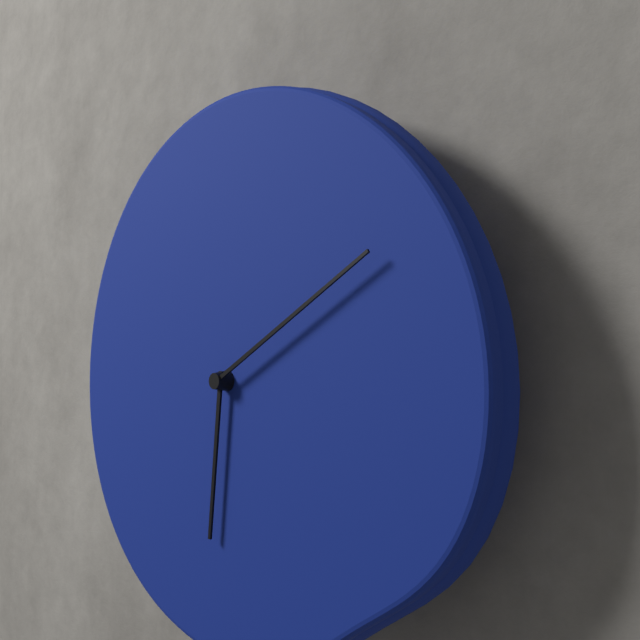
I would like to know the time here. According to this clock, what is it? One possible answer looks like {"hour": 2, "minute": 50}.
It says {"hour": 6, "minute": 10}
